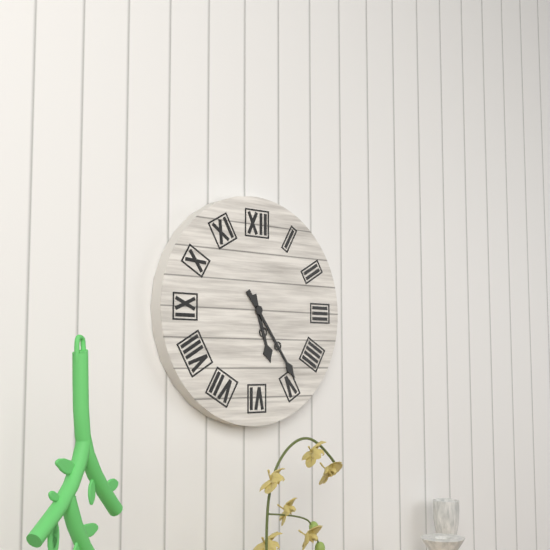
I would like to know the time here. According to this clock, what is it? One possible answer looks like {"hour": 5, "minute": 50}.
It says {"hour": 5, "minute": 24}
